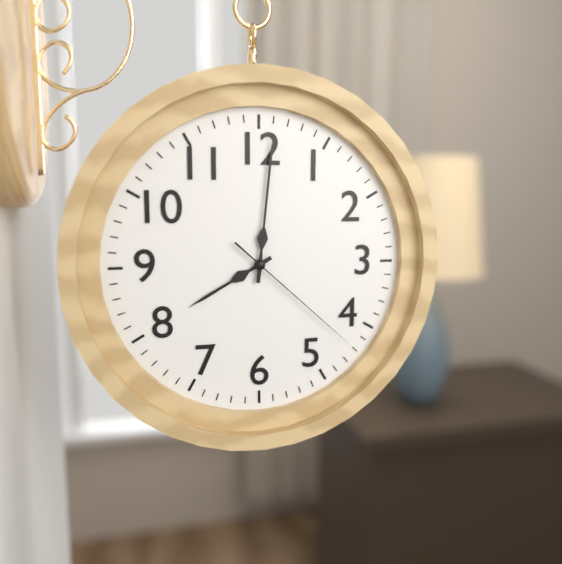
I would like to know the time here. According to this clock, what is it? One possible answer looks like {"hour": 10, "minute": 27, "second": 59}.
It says {"hour": 8, "minute": 1, "second": 22}
